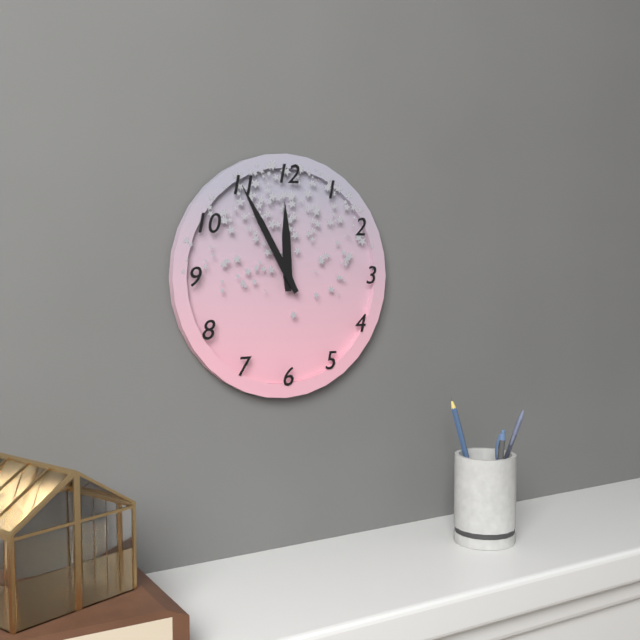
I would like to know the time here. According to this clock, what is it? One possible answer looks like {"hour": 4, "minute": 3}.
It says {"hour": 11, "minute": 55}
